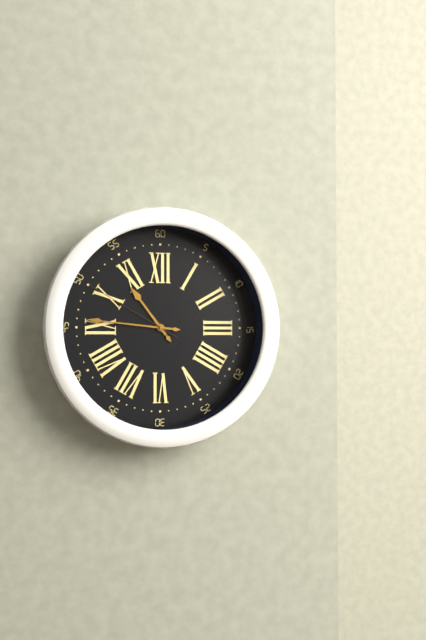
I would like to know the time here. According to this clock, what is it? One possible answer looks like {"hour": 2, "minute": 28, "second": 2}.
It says {"hour": 10, "minute": 46, "second": 50}
